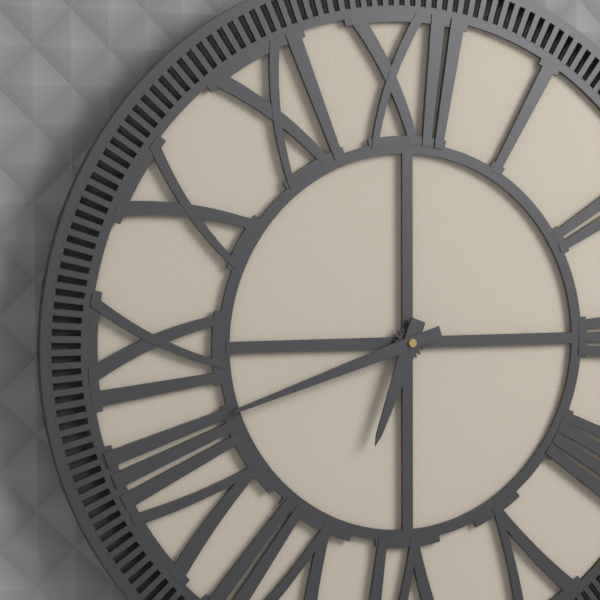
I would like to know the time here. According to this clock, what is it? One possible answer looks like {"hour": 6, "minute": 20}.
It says {"hour": 6, "minute": 42}
